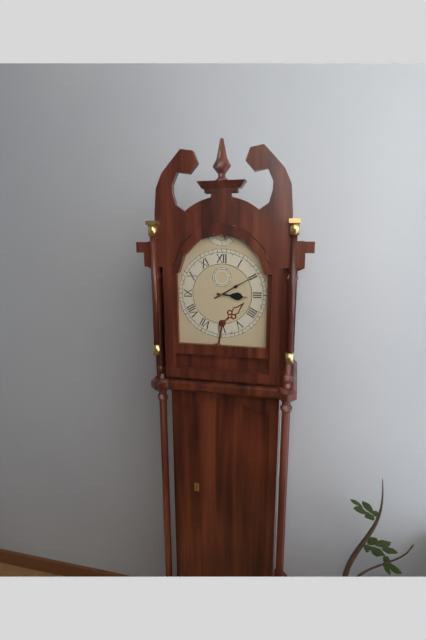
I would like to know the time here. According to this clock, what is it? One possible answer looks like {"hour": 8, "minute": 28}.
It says {"hour": 3, "minute": 10}
